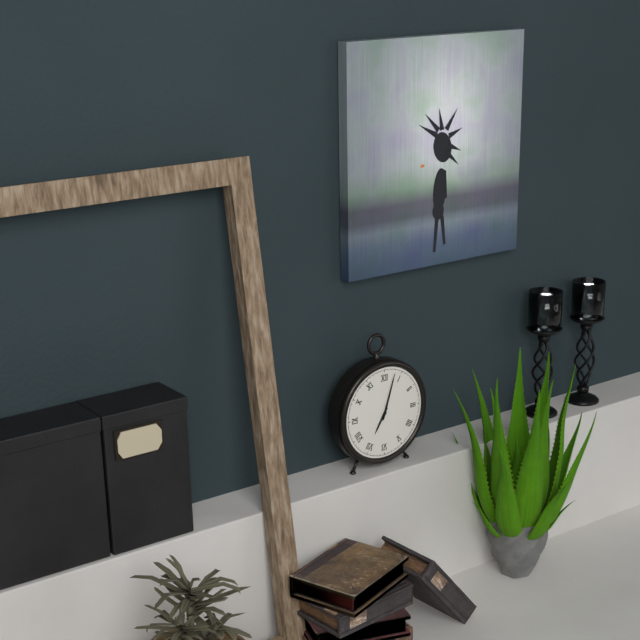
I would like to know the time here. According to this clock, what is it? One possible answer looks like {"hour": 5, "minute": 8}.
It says {"hour": 7, "minute": 3}
